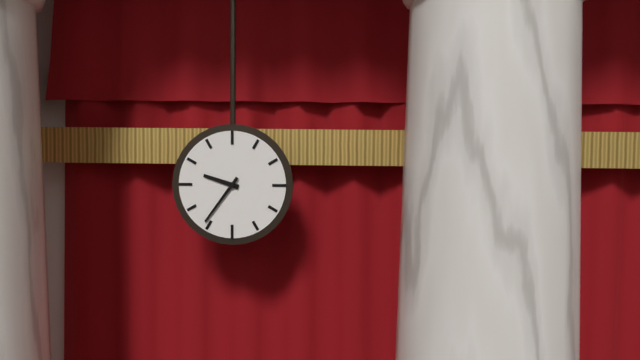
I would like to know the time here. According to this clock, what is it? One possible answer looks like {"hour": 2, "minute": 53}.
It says {"hour": 9, "minute": 36}
